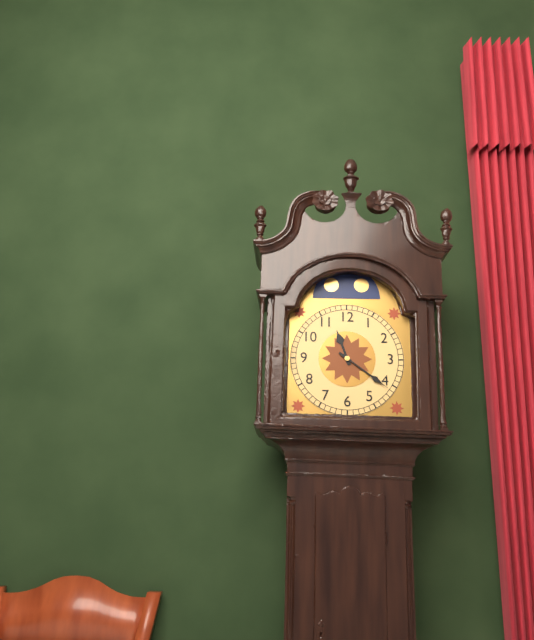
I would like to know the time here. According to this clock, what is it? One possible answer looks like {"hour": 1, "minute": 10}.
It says {"hour": 11, "minute": 21}
